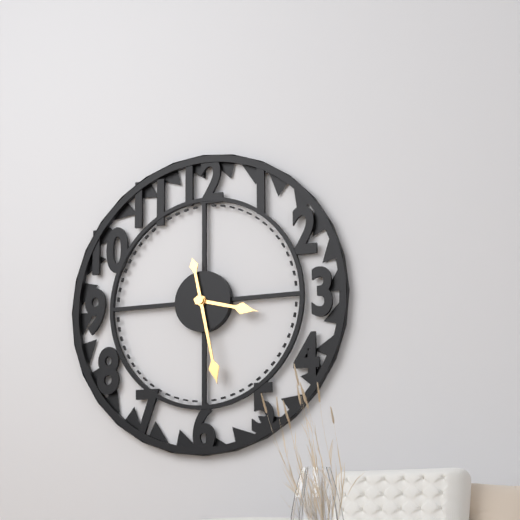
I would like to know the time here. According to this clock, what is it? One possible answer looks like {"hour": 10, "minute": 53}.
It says {"hour": 3, "minute": 28}
